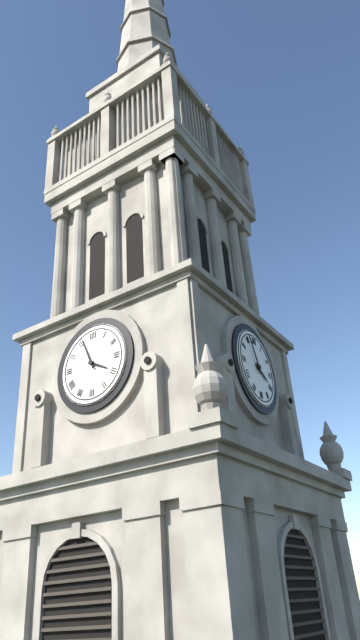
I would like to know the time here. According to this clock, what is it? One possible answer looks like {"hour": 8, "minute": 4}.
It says {"hour": 3, "minute": 56}
